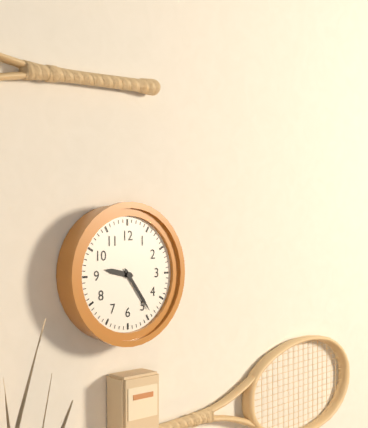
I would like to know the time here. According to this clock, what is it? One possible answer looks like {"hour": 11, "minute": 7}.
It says {"hour": 9, "minute": 24}
